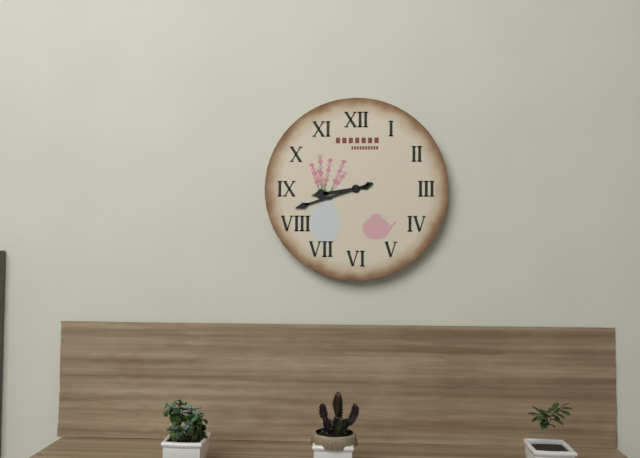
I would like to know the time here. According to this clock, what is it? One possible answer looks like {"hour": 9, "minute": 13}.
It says {"hour": 8, "minute": 42}
